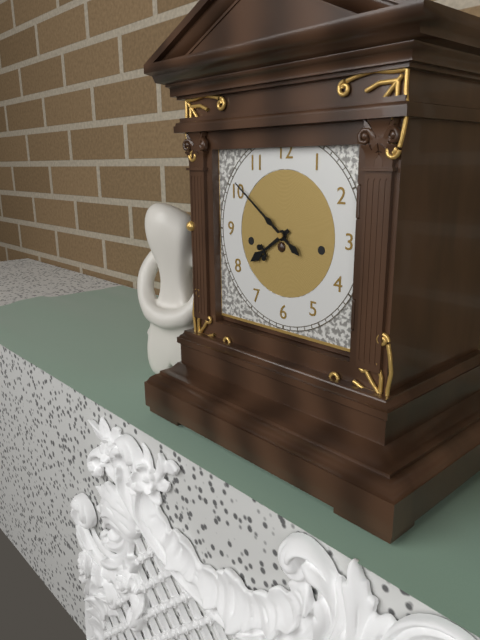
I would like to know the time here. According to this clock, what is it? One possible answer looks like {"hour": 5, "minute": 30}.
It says {"hour": 7, "minute": 51}
